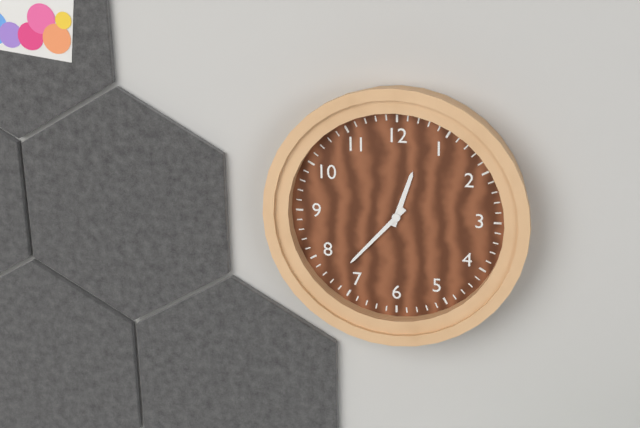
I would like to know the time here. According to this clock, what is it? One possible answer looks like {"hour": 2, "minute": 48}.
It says {"hour": 12, "minute": 37}
